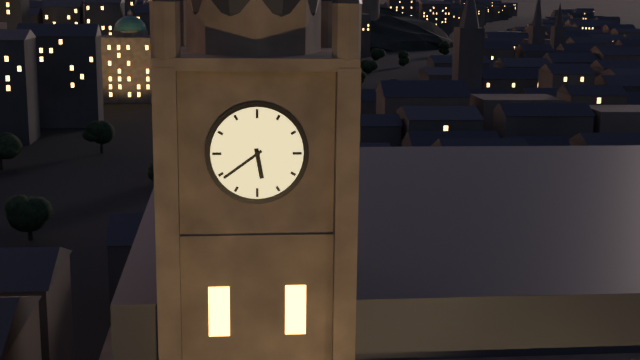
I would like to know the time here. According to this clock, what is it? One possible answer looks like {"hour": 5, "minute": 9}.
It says {"hour": 5, "minute": 39}
